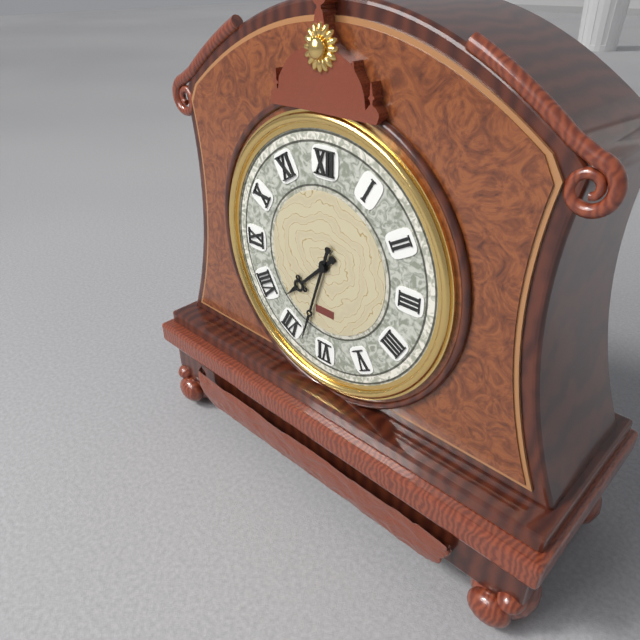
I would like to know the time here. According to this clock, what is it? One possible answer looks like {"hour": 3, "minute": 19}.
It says {"hour": 7, "minute": 33}
